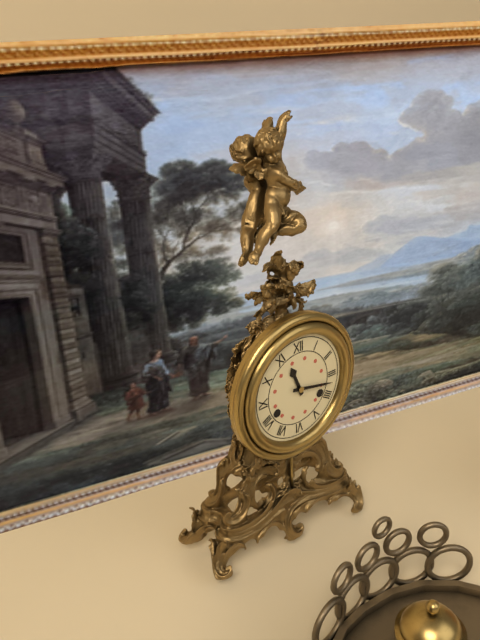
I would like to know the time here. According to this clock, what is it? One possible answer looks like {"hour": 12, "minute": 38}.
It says {"hour": 11, "minute": 17}
